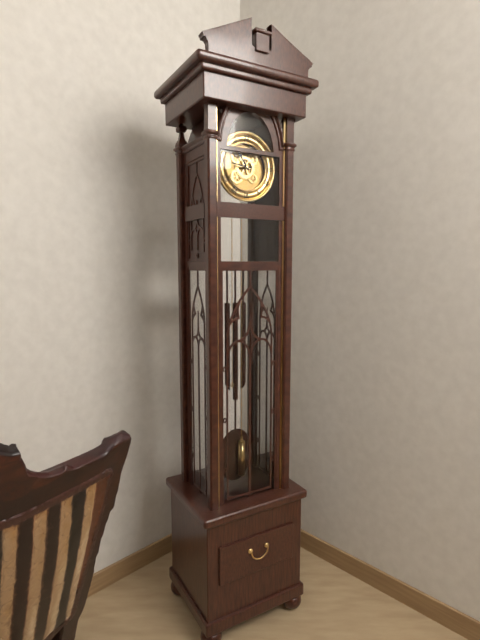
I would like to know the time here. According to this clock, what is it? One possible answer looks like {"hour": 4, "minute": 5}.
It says {"hour": 10, "minute": 46}
